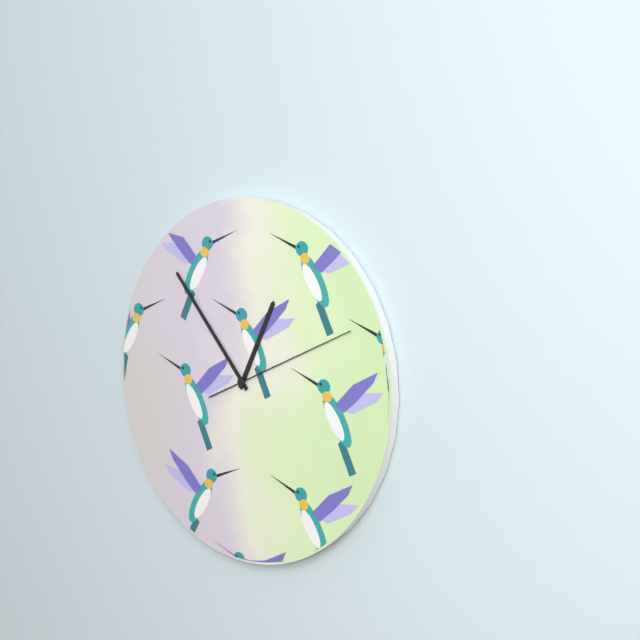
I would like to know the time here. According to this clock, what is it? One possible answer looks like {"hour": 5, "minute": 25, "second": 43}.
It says {"hour": 12, "minute": 53, "second": 11}
